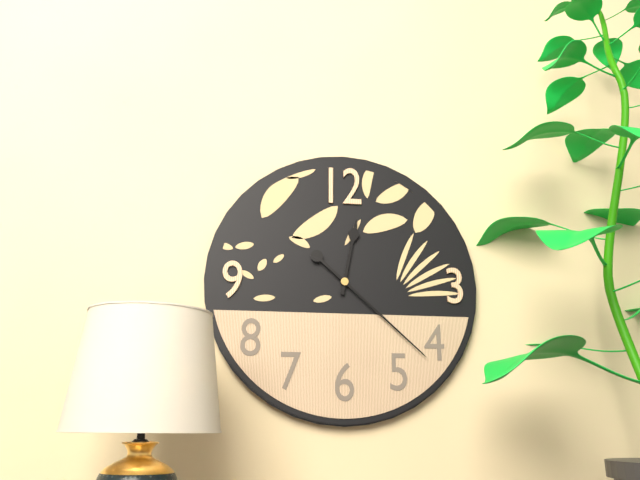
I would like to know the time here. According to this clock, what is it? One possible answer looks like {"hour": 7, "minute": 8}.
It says {"hour": 12, "minute": 22}
